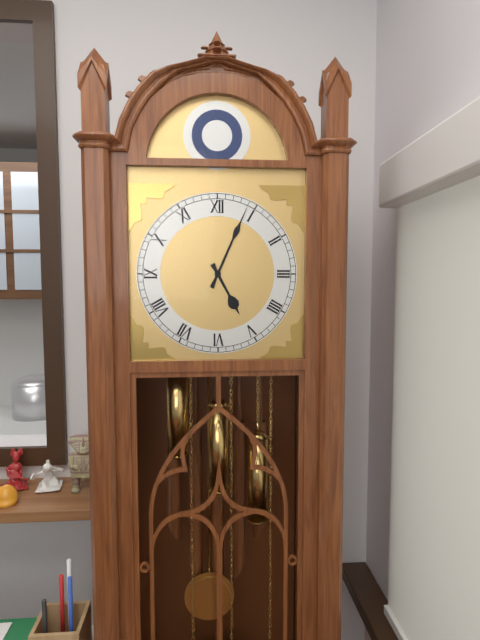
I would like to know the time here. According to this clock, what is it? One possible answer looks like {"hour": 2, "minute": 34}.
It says {"hour": 5, "minute": 4}
